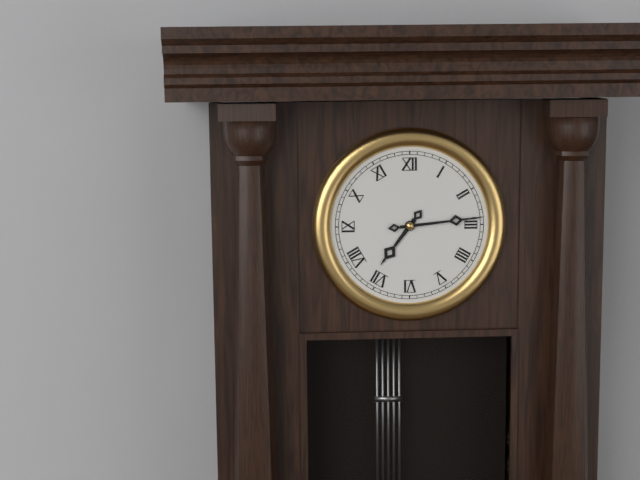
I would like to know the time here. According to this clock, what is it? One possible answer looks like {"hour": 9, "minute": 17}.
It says {"hour": 7, "minute": 14}
